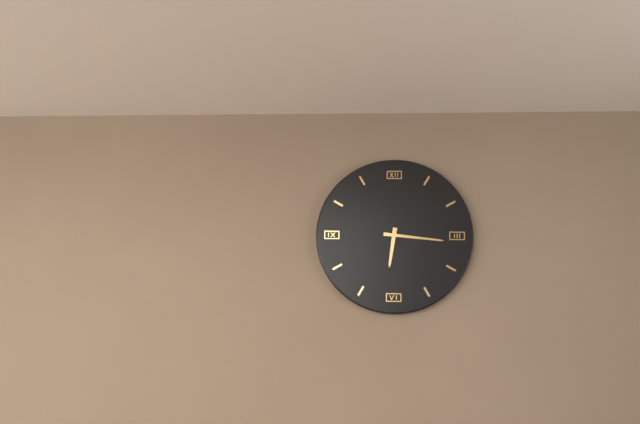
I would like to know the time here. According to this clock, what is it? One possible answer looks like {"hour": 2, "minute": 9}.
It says {"hour": 6, "minute": 16}
